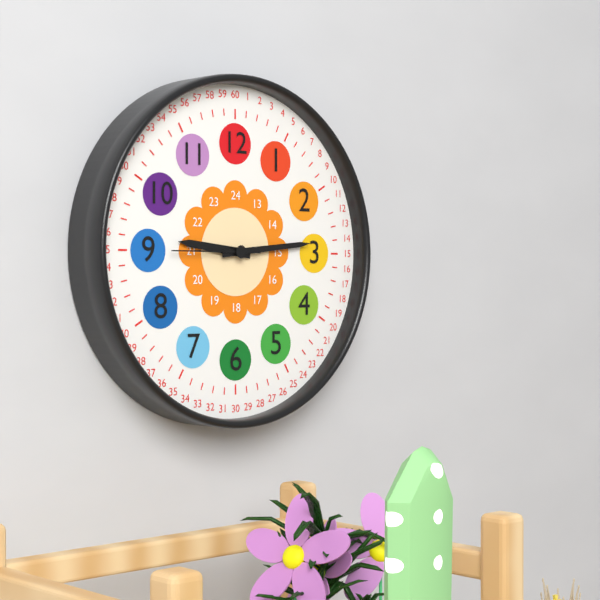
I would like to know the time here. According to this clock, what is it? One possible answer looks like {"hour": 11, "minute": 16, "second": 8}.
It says {"hour": 9, "minute": 14, "second": 45}
